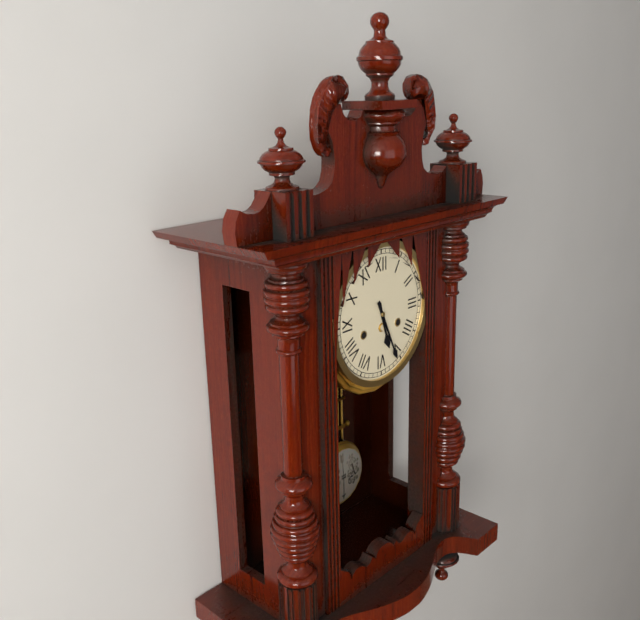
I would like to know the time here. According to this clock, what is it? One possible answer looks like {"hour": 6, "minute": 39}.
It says {"hour": 5, "minute": 26}
